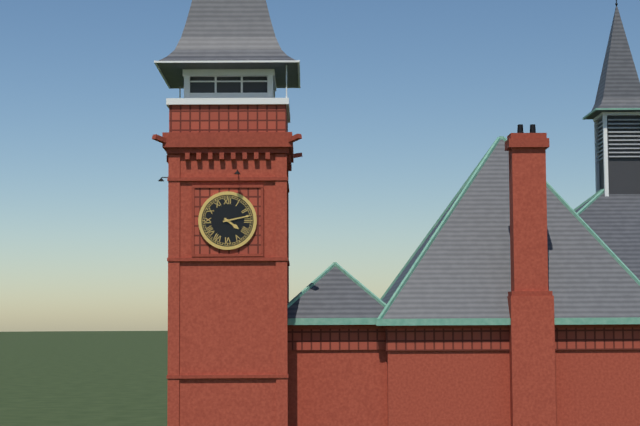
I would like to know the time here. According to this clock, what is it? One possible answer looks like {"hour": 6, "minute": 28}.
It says {"hour": 4, "minute": 13}
